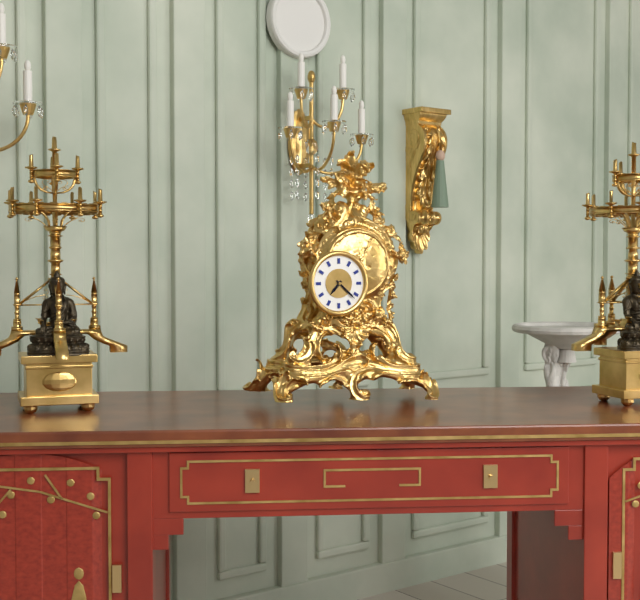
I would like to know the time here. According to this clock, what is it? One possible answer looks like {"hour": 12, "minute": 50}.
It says {"hour": 7, "minute": 22}
